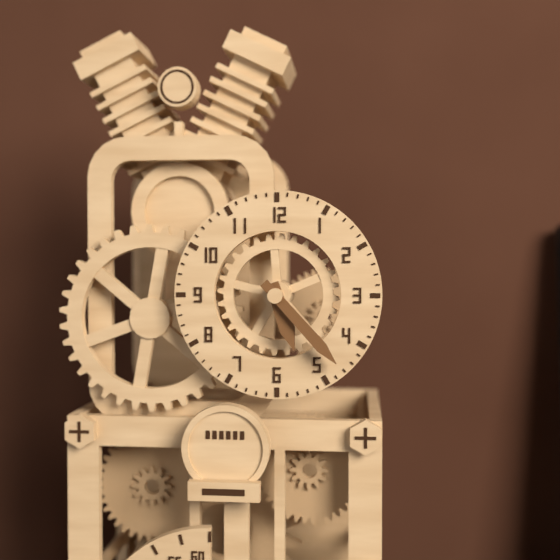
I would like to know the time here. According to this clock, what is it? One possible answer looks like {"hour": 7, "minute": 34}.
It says {"hour": 5, "minute": 23}
